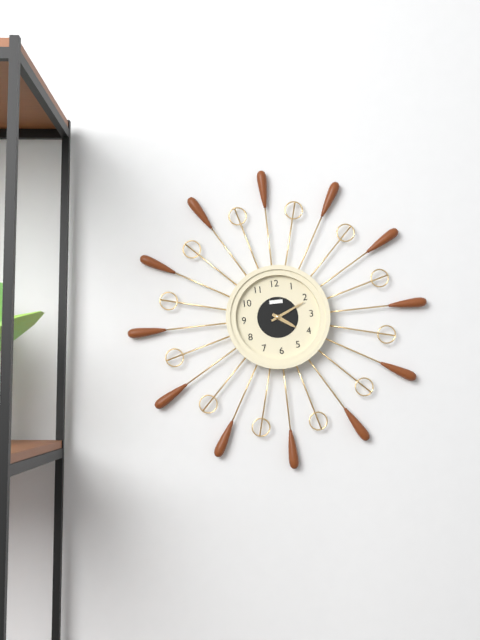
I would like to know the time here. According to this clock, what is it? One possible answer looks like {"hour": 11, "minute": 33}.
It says {"hour": 4, "minute": 11}
